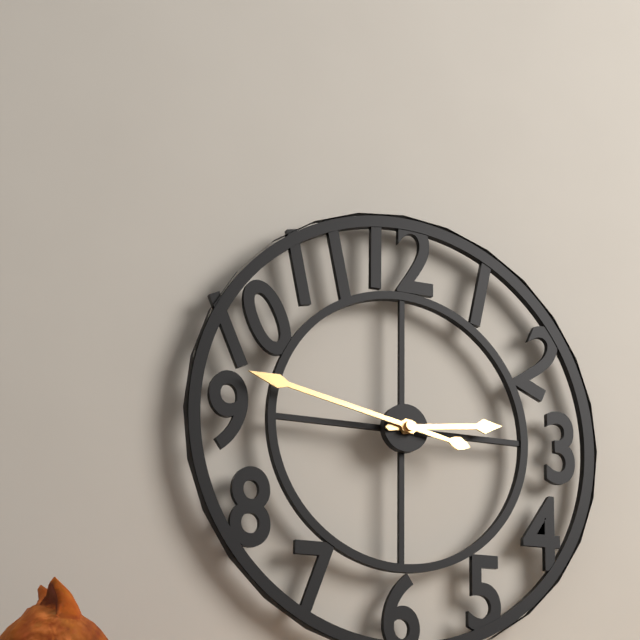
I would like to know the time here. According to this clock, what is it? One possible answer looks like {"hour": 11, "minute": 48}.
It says {"hour": 2, "minute": 47}
